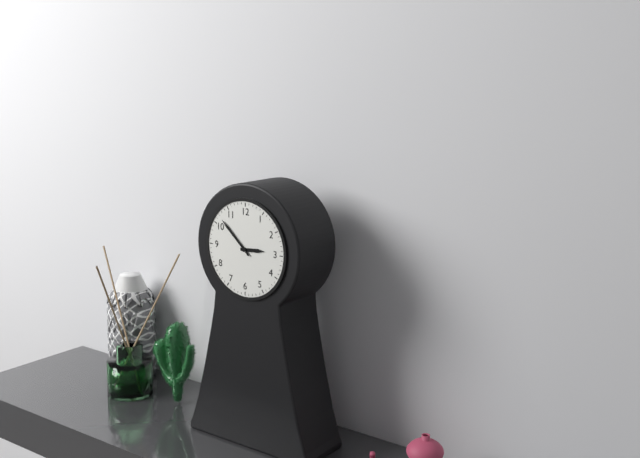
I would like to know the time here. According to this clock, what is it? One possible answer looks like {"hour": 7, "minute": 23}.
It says {"hour": 2, "minute": 52}
